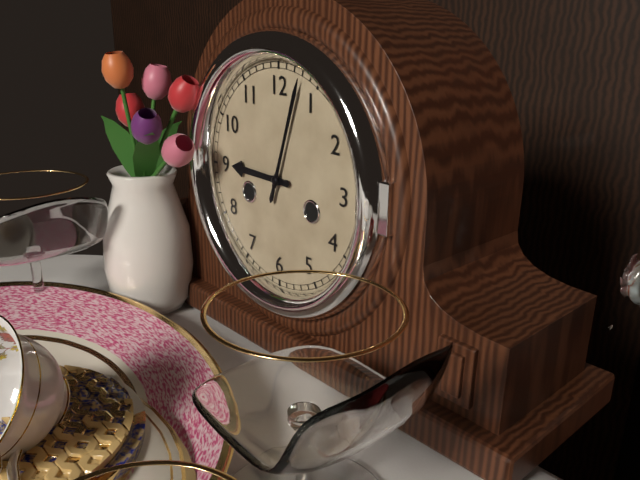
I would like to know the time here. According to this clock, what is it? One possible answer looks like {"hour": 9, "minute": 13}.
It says {"hour": 9, "minute": 3}
